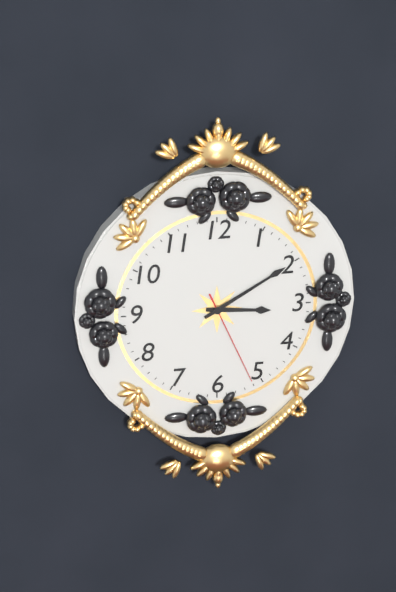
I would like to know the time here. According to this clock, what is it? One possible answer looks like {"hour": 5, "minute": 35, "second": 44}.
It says {"hour": 3, "minute": 10, "second": 26}
